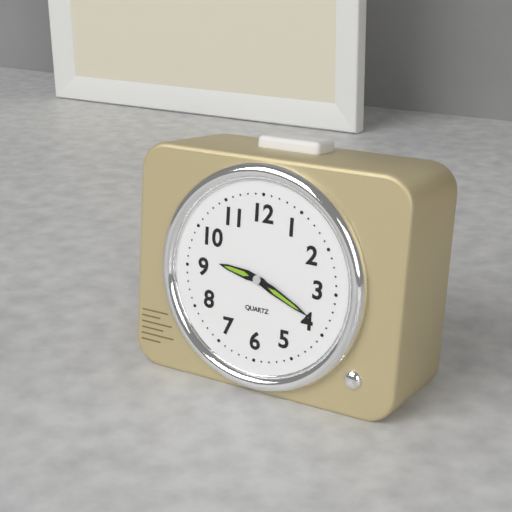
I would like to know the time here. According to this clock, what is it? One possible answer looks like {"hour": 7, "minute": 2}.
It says {"hour": 9, "minute": 19}
